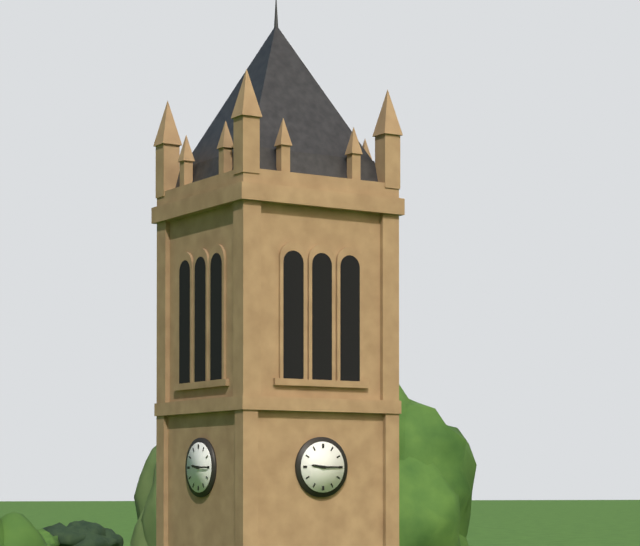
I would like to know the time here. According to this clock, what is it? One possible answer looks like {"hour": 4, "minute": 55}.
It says {"hour": 9, "minute": 15}
